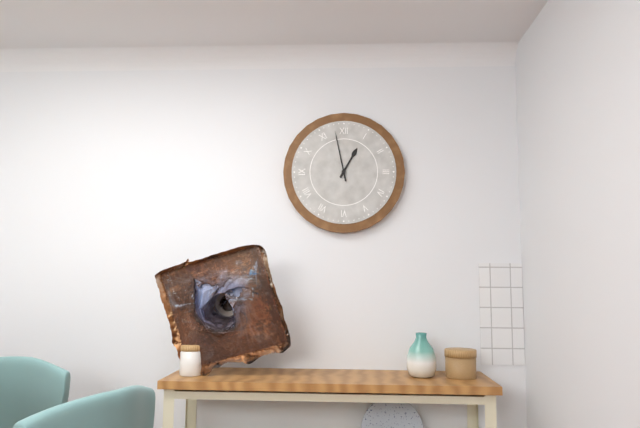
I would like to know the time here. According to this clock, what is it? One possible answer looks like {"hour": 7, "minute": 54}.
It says {"hour": 12, "minute": 58}
